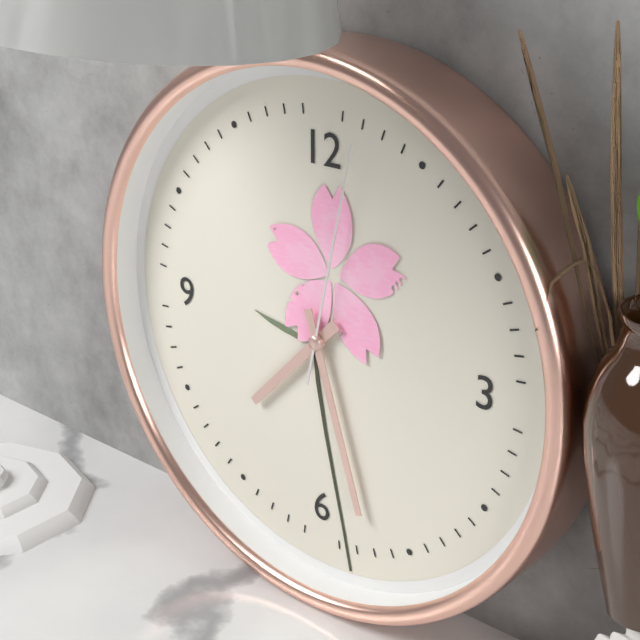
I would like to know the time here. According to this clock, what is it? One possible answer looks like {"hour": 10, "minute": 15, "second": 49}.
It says {"hour": 7, "minute": 27, "second": 2}
